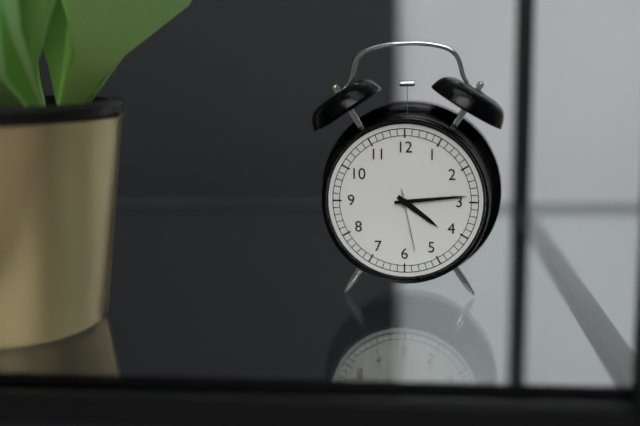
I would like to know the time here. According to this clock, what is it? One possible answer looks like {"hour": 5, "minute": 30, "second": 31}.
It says {"hour": 4, "minute": 14, "second": 28}
